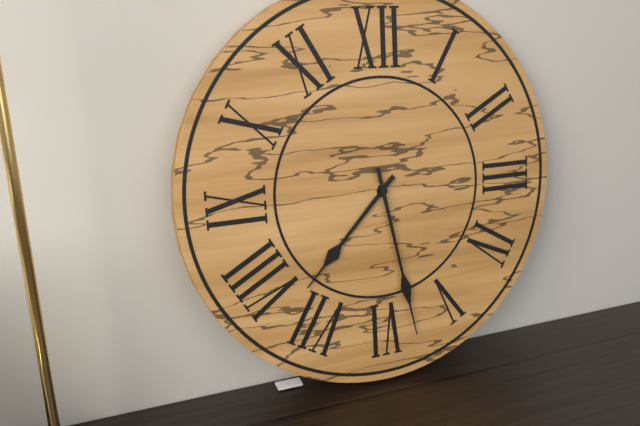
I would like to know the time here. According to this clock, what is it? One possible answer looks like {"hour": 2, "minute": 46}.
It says {"hour": 7, "minute": 28}
